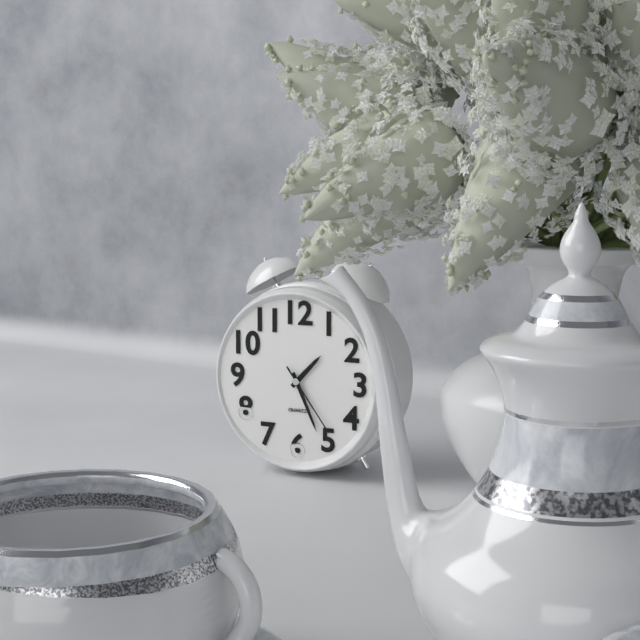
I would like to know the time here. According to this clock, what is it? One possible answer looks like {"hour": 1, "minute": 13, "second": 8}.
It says {"hour": 1, "minute": 26, "second": 24}
